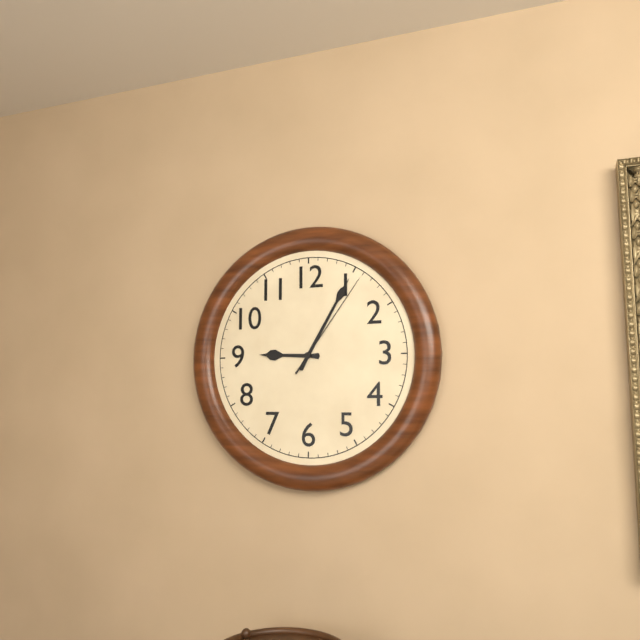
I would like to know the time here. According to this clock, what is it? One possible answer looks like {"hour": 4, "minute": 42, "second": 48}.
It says {"hour": 9, "minute": 5, "second": 6}
